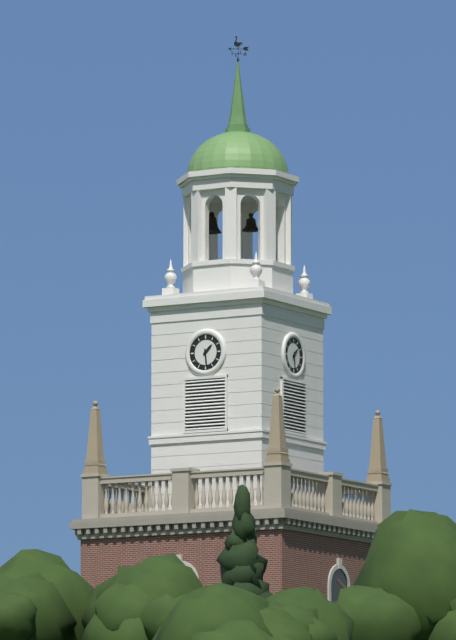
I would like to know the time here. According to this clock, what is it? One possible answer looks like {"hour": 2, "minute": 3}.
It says {"hour": 1, "minute": 29}
